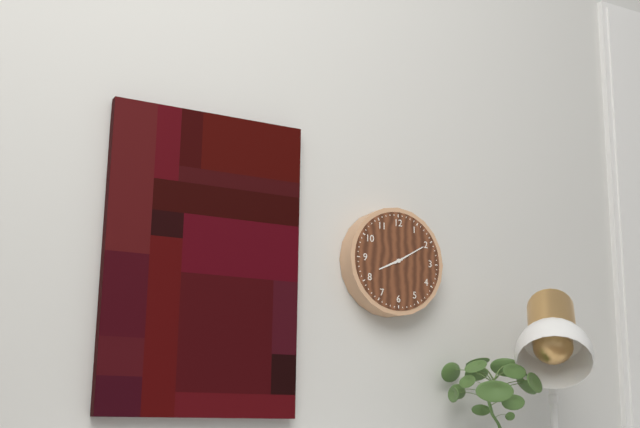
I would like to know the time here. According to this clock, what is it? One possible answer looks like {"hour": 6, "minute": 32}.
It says {"hour": 8, "minute": 10}
